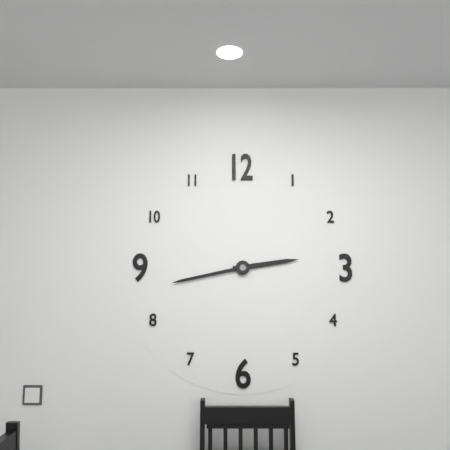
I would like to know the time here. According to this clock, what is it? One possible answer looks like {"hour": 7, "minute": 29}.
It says {"hour": 2, "minute": 43}
